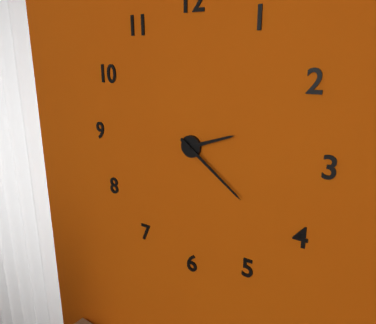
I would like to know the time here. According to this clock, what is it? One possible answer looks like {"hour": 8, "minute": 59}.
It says {"hour": 2, "minute": 21}
